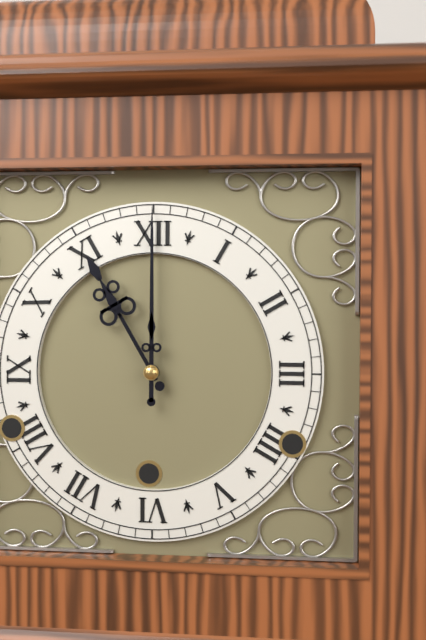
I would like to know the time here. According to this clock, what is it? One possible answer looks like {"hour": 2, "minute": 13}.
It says {"hour": 11, "minute": 0}
